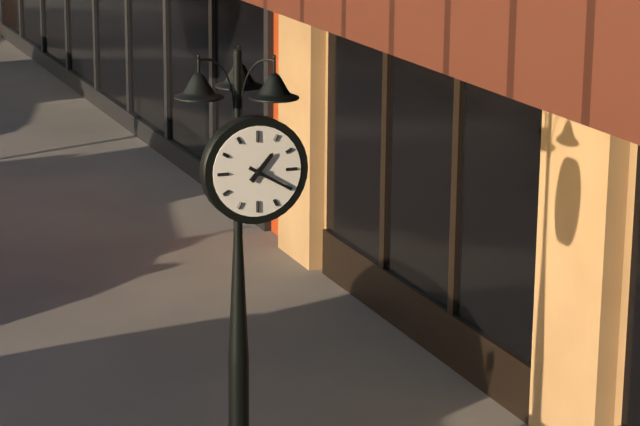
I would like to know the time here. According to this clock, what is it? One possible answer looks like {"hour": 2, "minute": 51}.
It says {"hour": 1, "minute": 20}
